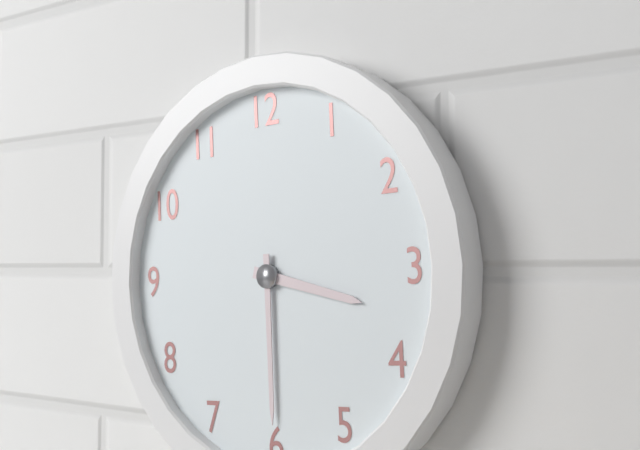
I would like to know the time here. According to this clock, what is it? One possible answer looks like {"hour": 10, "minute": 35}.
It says {"hour": 3, "minute": 30}
